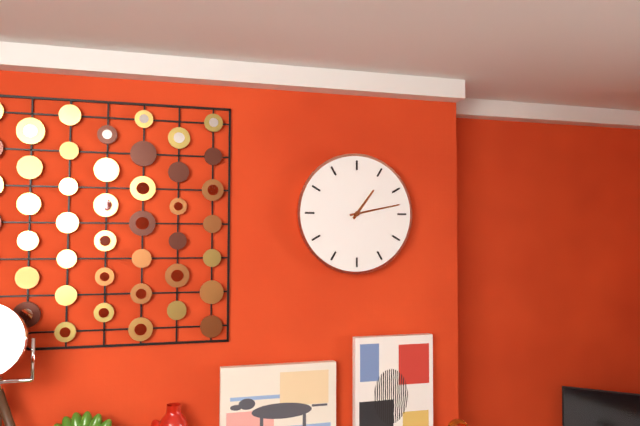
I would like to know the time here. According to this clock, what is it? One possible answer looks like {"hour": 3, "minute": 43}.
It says {"hour": 1, "minute": 13}
